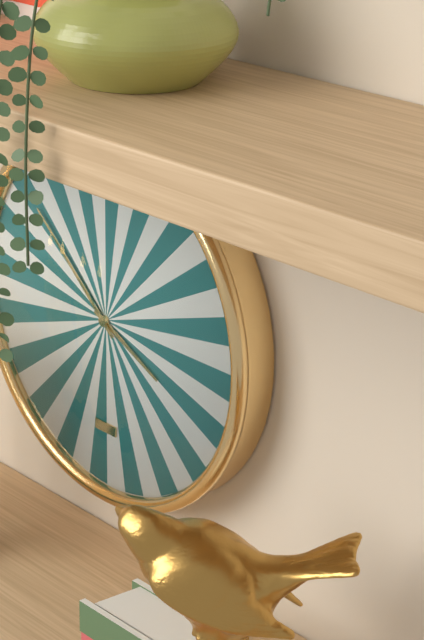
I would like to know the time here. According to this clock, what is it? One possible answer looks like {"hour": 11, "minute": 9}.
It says {"hour": 3, "minute": 52}
